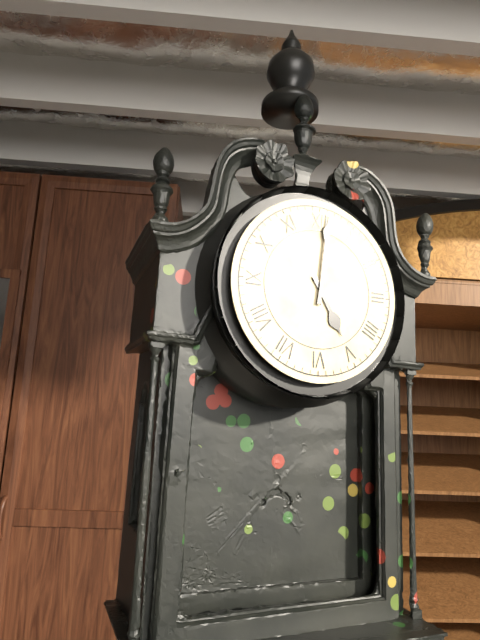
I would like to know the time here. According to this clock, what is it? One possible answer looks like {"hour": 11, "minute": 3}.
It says {"hour": 5, "minute": 1}
